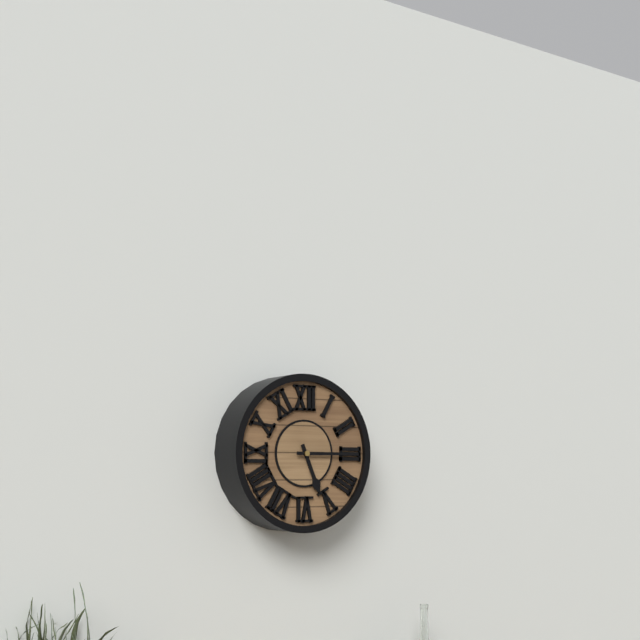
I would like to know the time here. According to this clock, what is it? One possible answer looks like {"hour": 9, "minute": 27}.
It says {"hour": 5, "minute": 15}
